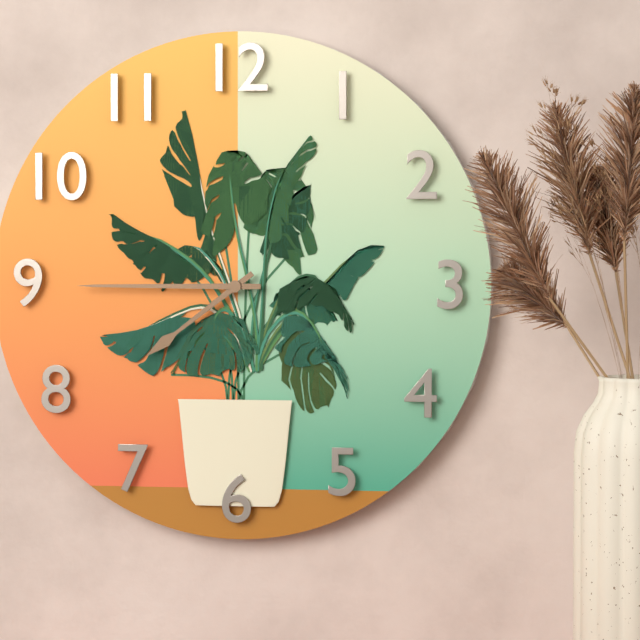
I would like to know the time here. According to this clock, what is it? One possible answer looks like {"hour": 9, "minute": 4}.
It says {"hour": 7, "minute": 45}
